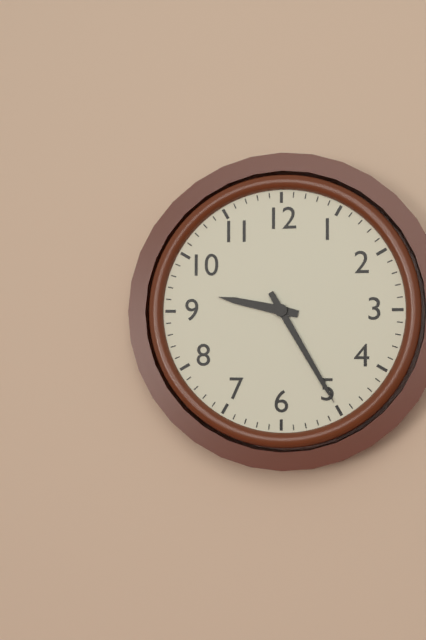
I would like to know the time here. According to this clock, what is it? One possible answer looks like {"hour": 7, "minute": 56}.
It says {"hour": 9, "minute": 25}
